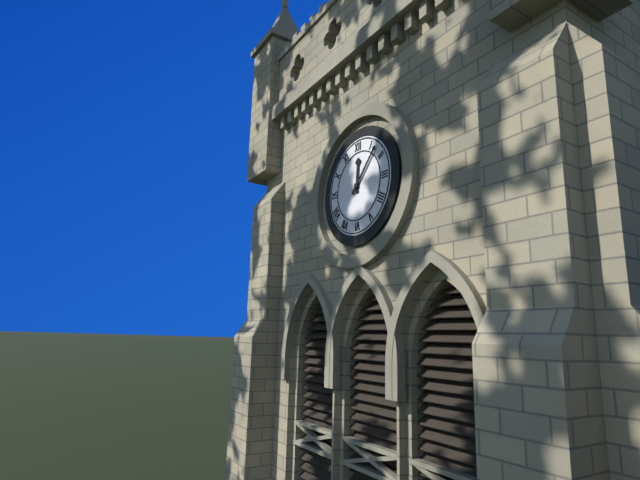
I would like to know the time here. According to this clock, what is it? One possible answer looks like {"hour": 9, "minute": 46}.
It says {"hour": 12, "minute": 7}
